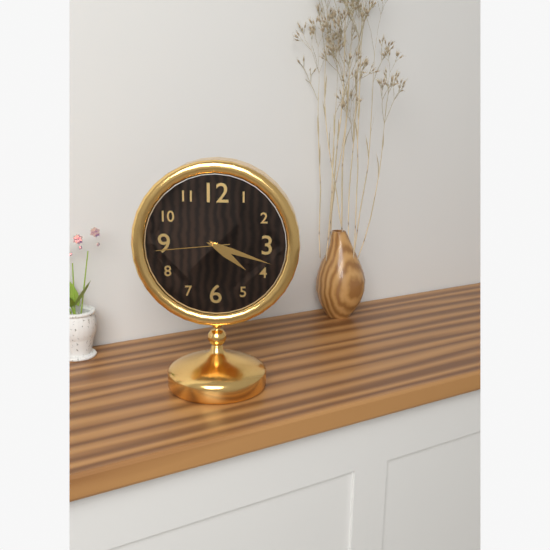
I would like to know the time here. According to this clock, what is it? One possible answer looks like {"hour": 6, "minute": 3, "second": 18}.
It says {"hour": 4, "minute": 18, "second": 44}
